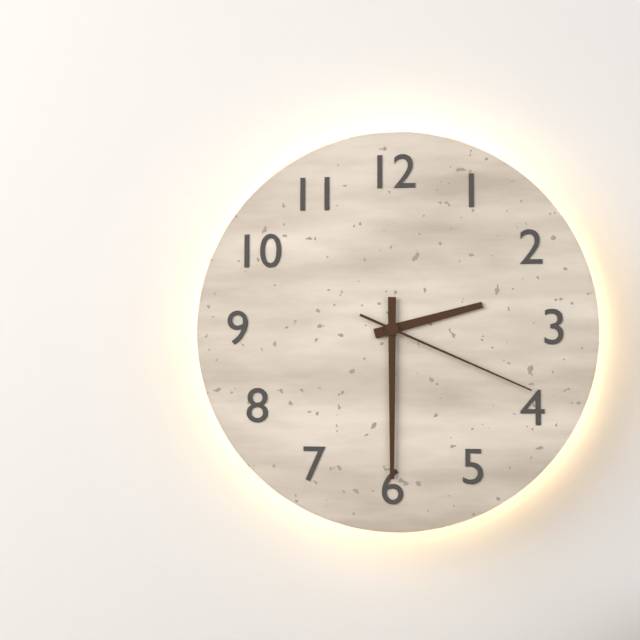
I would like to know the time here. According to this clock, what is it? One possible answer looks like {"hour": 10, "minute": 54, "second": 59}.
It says {"hour": 2, "minute": 30, "second": 19}
